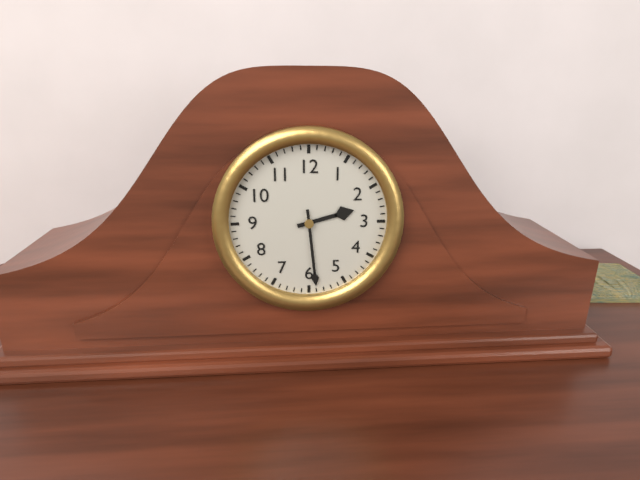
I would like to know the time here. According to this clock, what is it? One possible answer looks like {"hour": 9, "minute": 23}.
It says {"hour": 2, "minute": 29}
